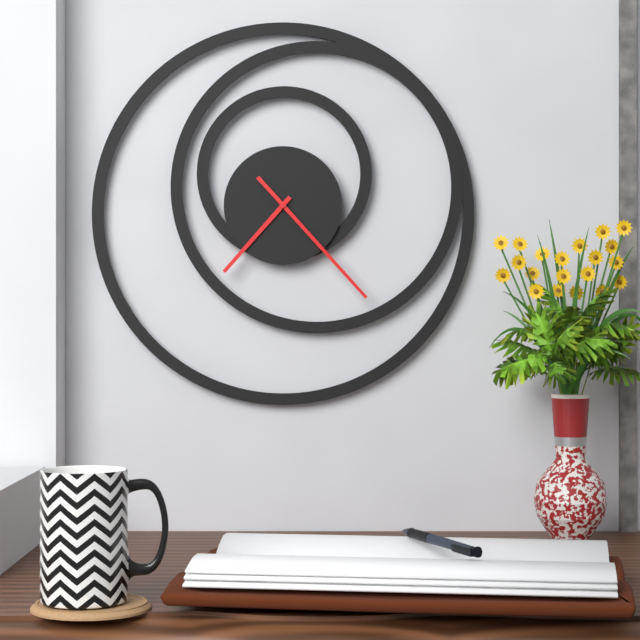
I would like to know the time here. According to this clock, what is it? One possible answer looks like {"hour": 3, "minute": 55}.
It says {"hour": 7, "minute": 23}
